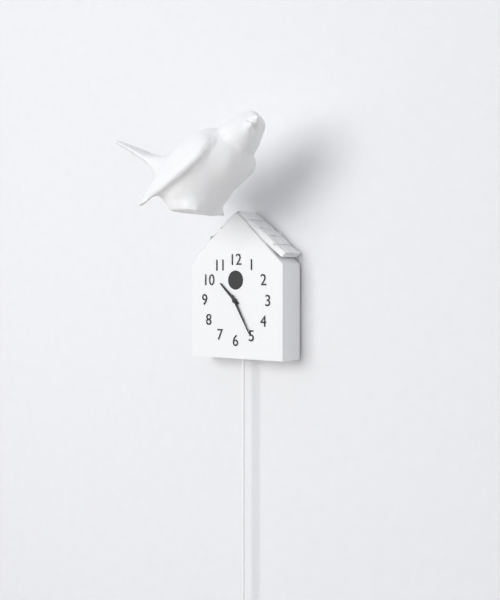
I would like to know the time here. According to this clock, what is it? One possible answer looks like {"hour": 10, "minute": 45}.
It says {"hour": 10, "minute": 25}
